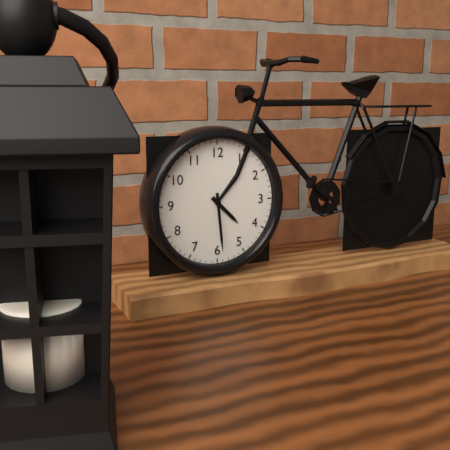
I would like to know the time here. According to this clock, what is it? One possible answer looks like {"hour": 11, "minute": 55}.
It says {"hour": 4, "minute": 29}
